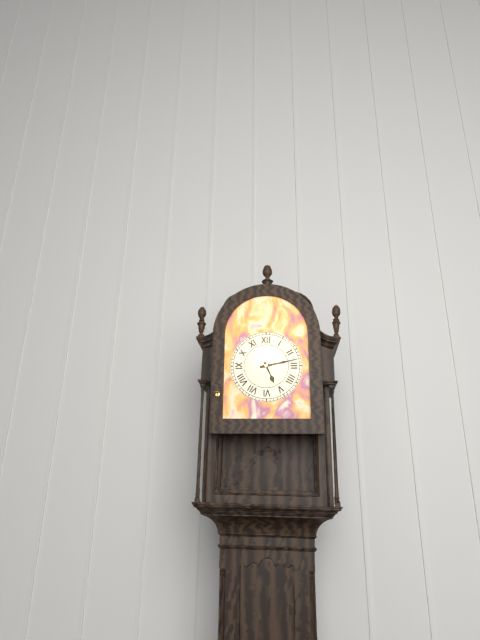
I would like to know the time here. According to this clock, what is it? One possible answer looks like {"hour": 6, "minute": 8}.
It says {"hour": 5, "minute": 13}
